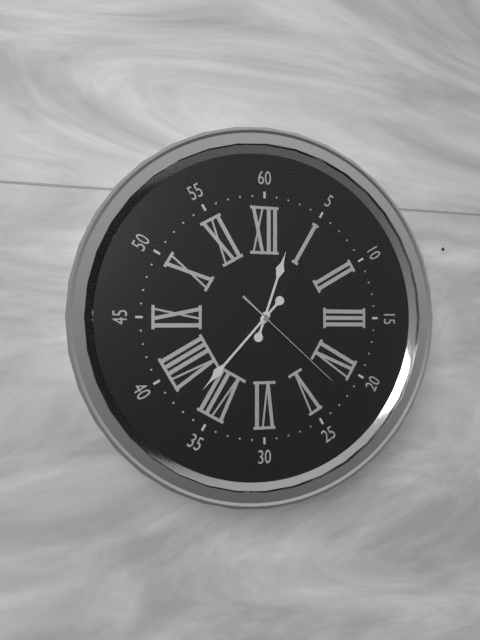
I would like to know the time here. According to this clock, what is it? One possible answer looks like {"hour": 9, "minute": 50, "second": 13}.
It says {"hour": 12, "minute": 37, "second": 22}
